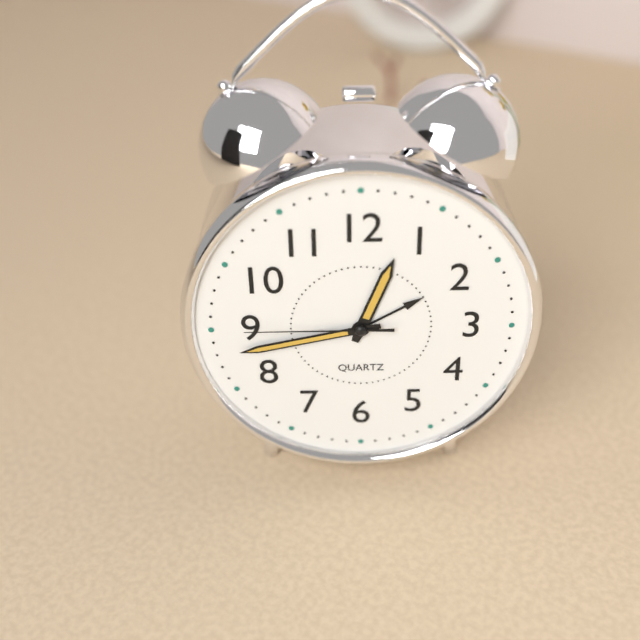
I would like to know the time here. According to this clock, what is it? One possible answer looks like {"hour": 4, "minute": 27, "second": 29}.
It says {"hour": 12, "minute": 43, "second": 45}
